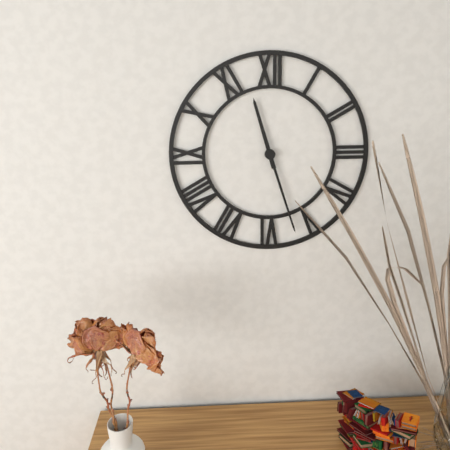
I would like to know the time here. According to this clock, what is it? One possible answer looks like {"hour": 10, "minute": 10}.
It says {"hour": 11, "minute": 27}
